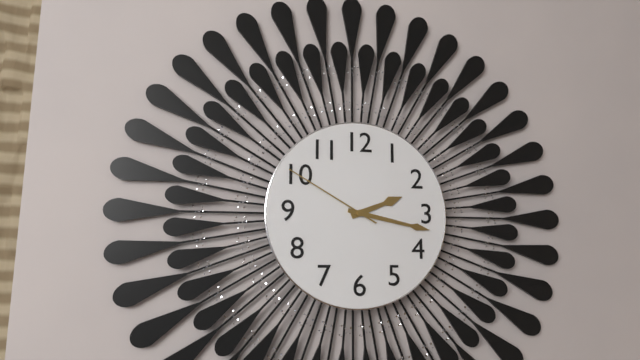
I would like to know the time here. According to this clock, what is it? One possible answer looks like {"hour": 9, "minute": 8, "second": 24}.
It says {"hour": 2, "minute": 17, "second": 50}
